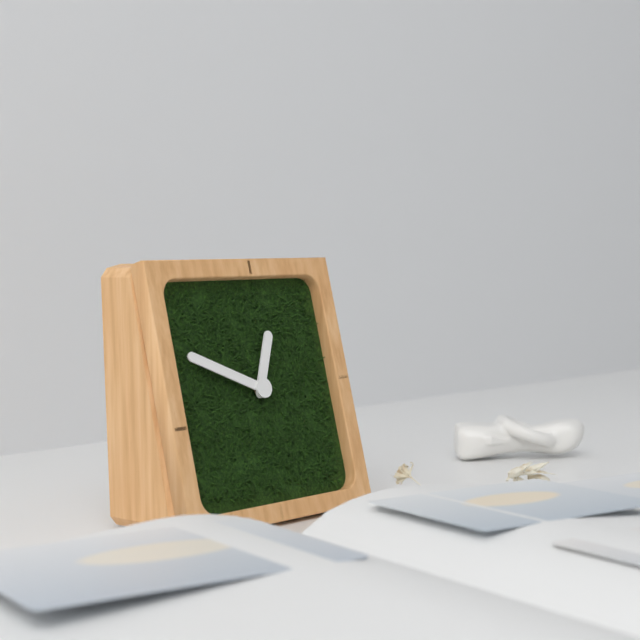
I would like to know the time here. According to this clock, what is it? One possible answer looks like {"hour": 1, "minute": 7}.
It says {"hour": 12, "minute": 49}
